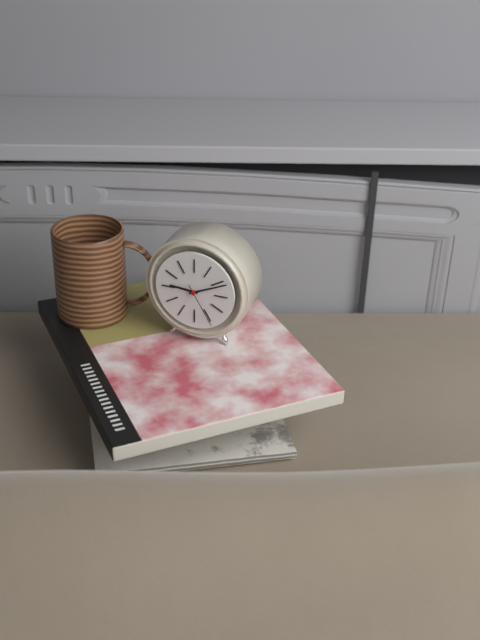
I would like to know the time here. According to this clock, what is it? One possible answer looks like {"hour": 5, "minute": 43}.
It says {"hour": 9, "minute": 11}
